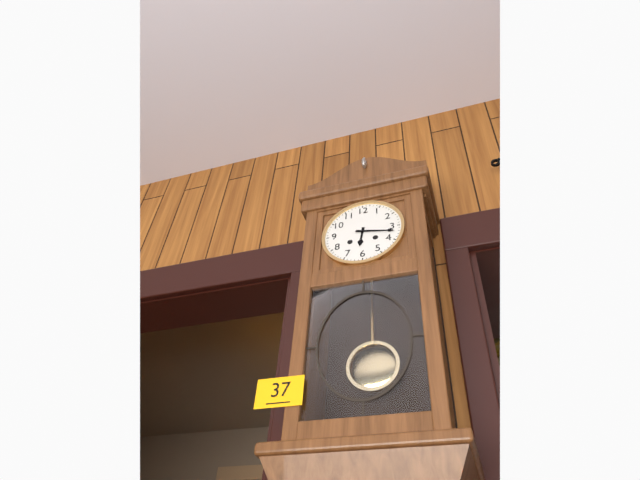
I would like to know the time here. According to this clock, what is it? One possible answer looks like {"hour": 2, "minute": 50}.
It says {"hour": 6, "minute": 17}
